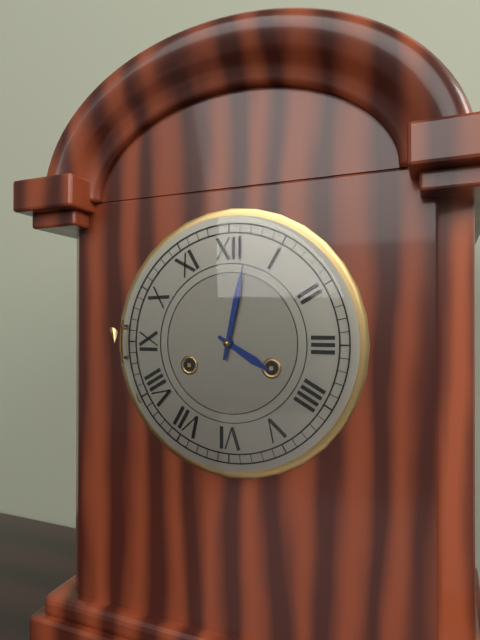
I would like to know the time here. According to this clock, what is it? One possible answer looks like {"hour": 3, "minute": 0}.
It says {"hour": 4, "minute": 2}
